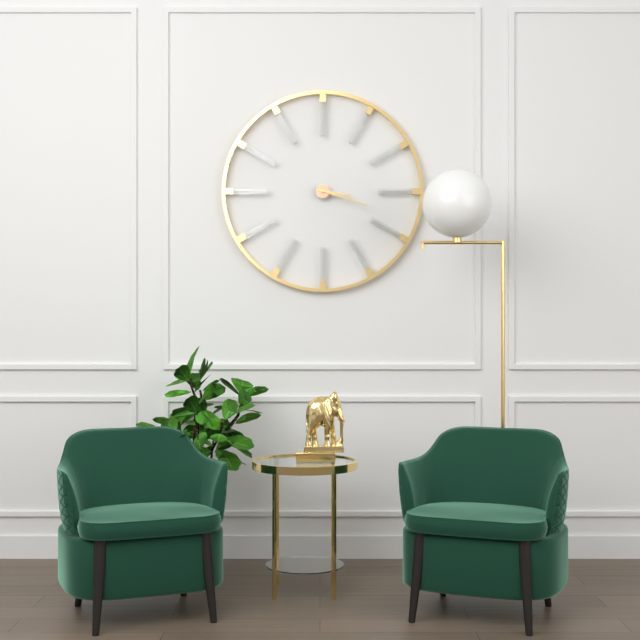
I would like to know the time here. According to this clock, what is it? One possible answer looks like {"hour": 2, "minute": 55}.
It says {"hour": 3, "minute": 18}
